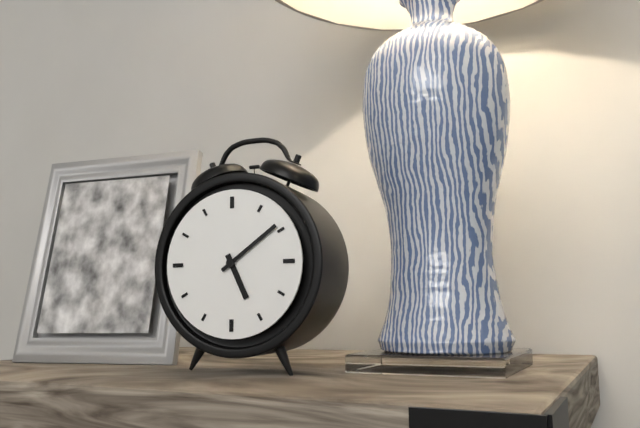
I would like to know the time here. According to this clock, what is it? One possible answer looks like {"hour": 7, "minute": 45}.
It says {"hour": 5, "minute": 9}
